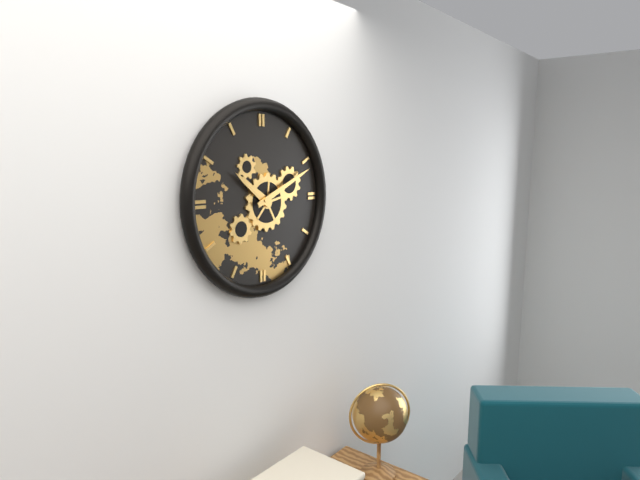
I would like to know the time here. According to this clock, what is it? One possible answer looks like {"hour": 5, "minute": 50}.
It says {"hour": 10, "minute": 11}
